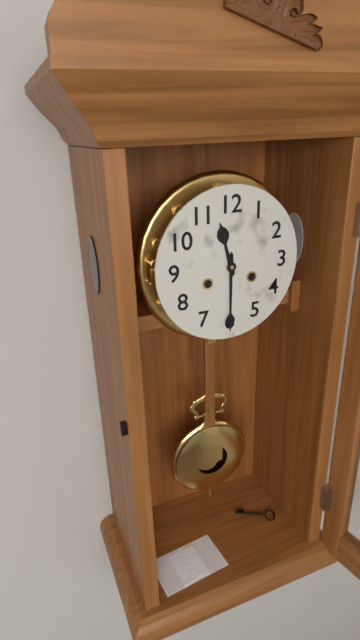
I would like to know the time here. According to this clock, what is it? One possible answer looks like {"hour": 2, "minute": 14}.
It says {"hour": 11, "minute": 30}
